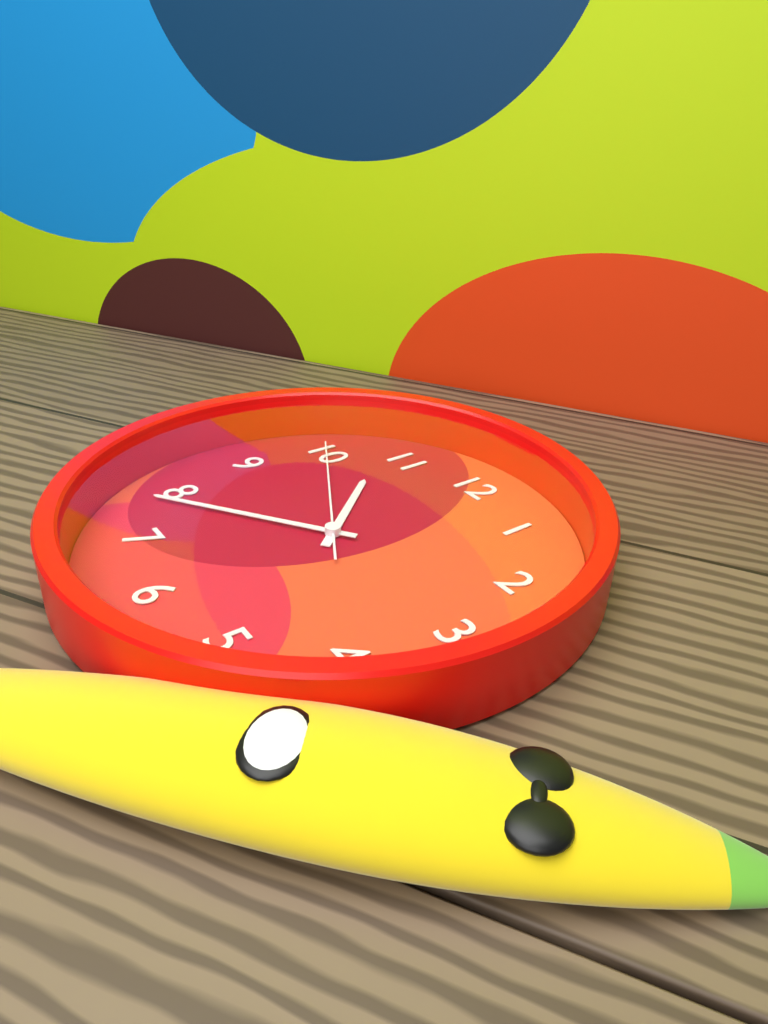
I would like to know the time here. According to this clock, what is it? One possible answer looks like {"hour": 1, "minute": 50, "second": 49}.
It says {"hour": 10, "minute": 39, "second": 50}
